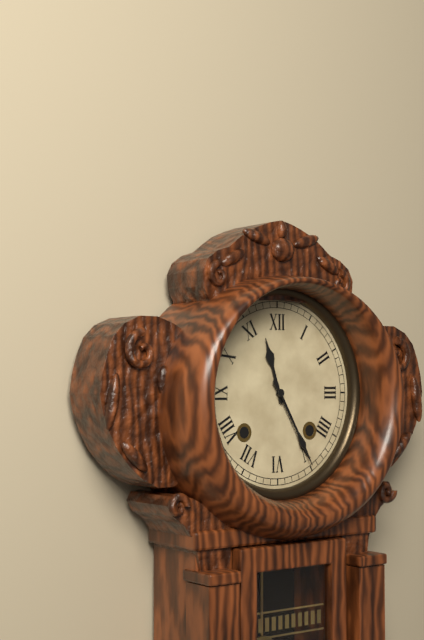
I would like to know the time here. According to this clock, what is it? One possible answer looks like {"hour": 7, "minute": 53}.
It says {"hour": 11, "minute": 25}
